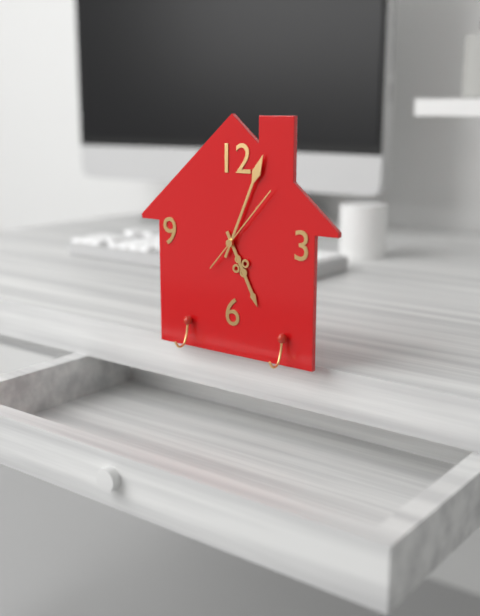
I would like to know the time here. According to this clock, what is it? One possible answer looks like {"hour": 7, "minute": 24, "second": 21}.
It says {"hour": 5, "minute": 4, "second": 7}
